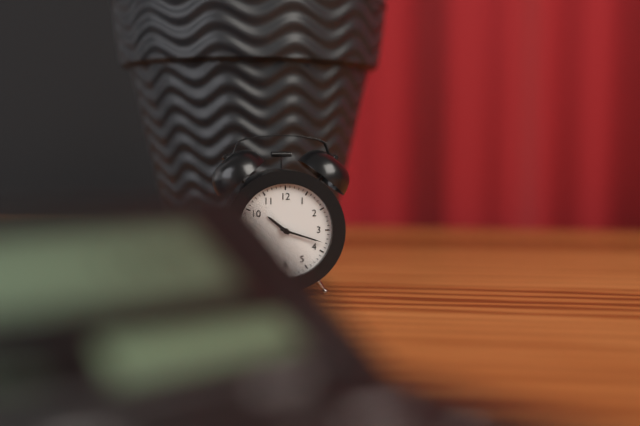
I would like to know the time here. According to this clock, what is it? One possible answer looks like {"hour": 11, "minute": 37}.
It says {"hour": 10, "minute": 18}
